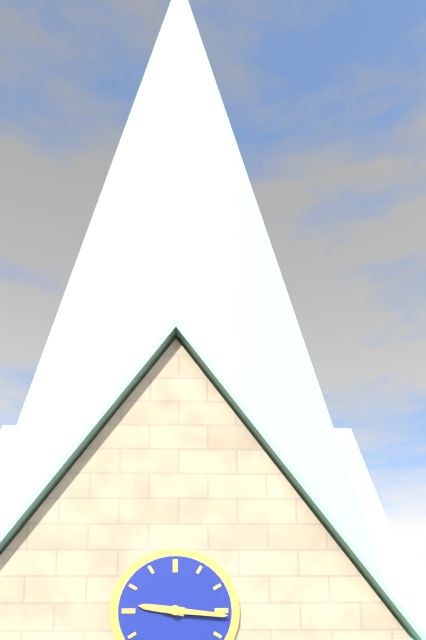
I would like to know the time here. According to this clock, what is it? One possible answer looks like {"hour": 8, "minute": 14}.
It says {"hour": 9, "minute": 16}
